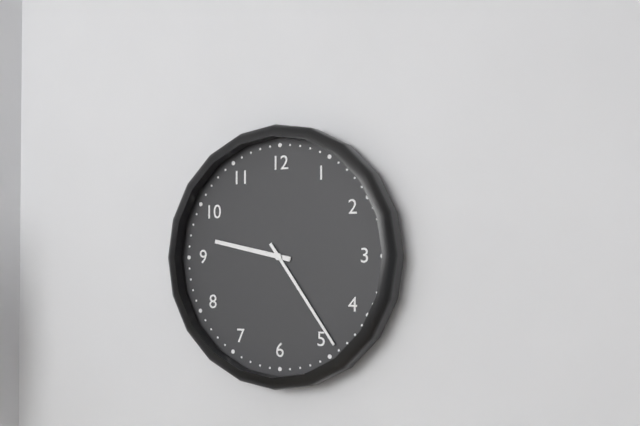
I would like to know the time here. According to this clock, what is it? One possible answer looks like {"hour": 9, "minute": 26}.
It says {"hour": 9, "minute": 24}
